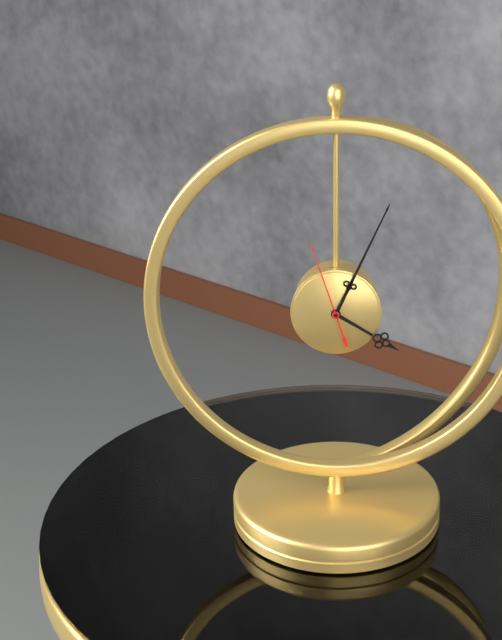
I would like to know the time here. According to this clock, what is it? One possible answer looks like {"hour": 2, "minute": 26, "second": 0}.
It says {"hour": 4, "minute": 4, "second": 57}
